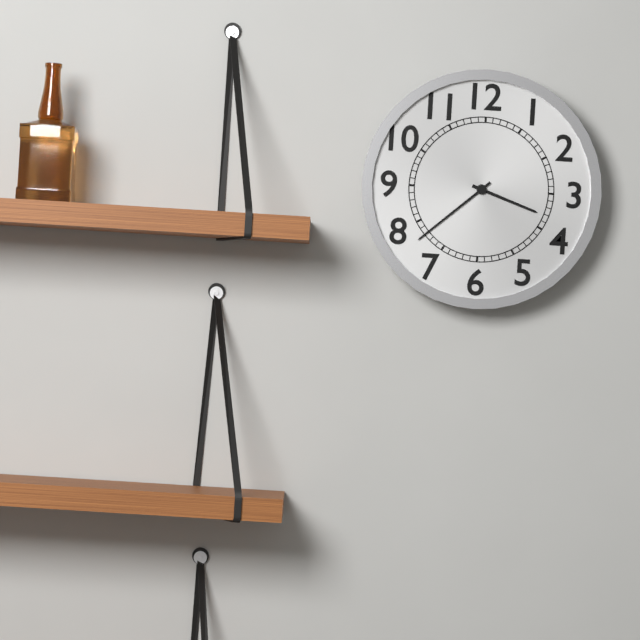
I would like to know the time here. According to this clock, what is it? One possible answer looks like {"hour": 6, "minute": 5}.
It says {"hour": 3, "minute": 38}
